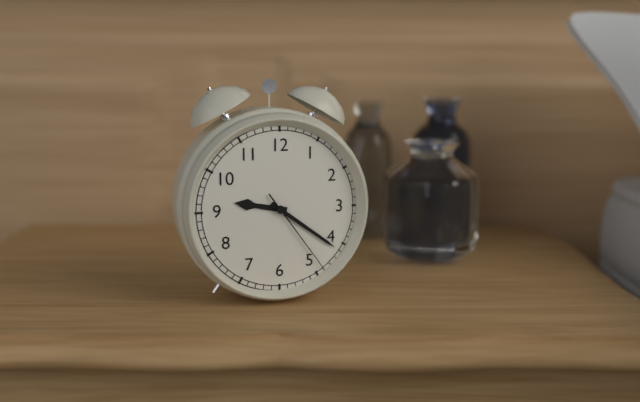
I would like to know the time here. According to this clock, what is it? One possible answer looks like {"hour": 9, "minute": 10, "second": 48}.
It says {"hour": 9, "minute": 21, "second": 24}
